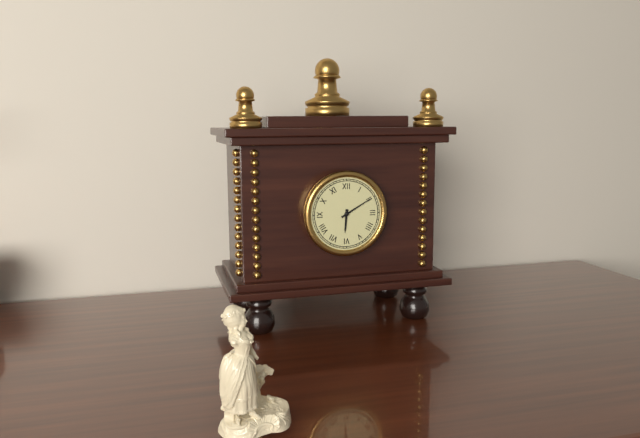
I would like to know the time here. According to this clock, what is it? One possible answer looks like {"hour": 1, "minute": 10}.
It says {"hour": 6, "minute": 10}
